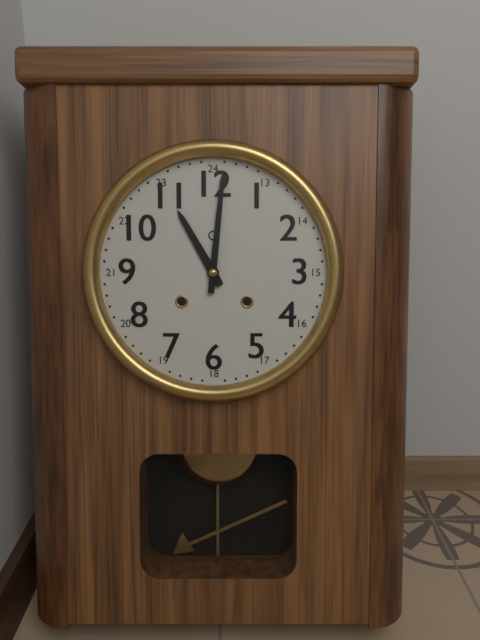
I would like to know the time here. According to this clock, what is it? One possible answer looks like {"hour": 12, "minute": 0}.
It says {"hour": 11, "minute": 1}
